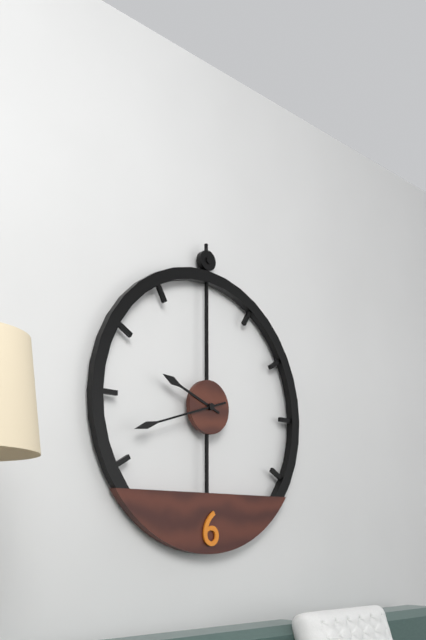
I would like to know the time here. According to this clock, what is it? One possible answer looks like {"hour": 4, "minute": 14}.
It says {"hour": 9, "minute": 42}
